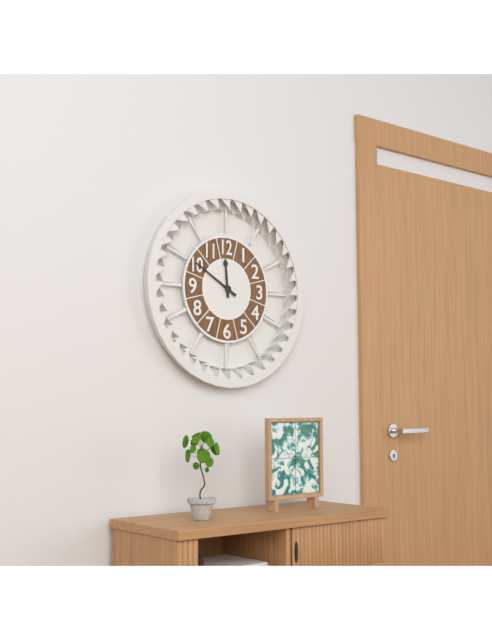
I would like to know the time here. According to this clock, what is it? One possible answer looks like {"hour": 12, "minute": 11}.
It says {"hour": 11, "minute": 50}
